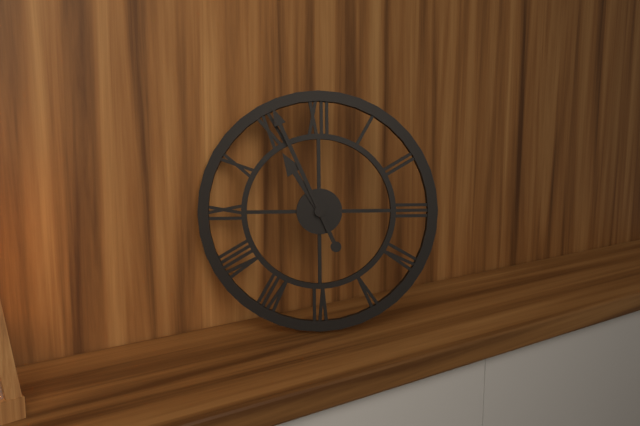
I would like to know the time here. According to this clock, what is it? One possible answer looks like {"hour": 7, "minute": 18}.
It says {"hour": 10, "minute": 56}
